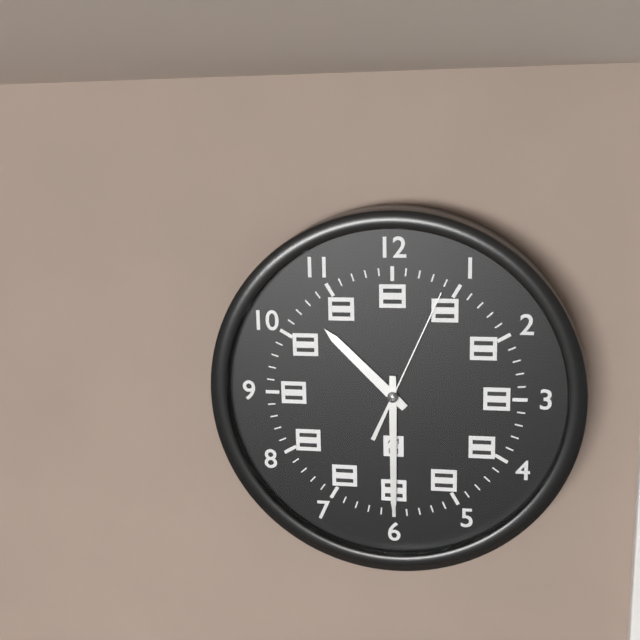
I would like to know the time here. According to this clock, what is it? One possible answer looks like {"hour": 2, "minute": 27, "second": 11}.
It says {"hour": 10, "minute": 30, "second": 4}
